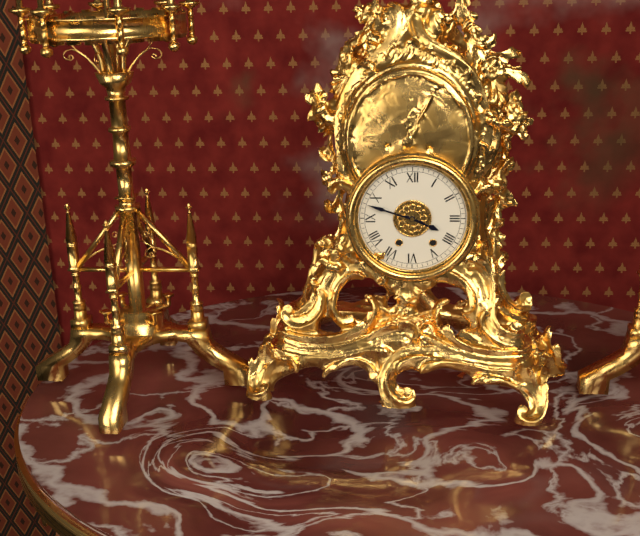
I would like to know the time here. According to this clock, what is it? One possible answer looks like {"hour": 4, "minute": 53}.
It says {"hour": 3, "minute": 48}
